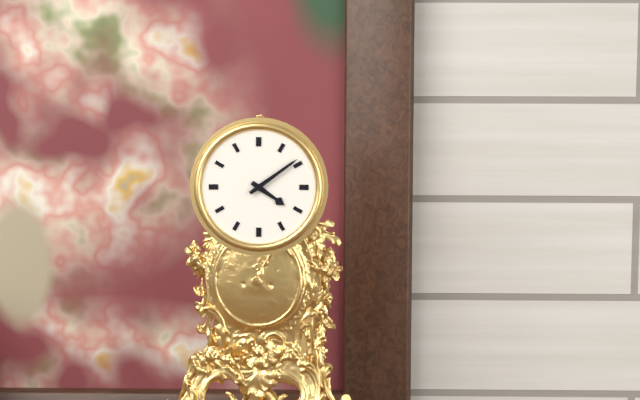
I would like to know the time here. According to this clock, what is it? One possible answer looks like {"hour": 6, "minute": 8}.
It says {"hour": 4, "minute": 9}
